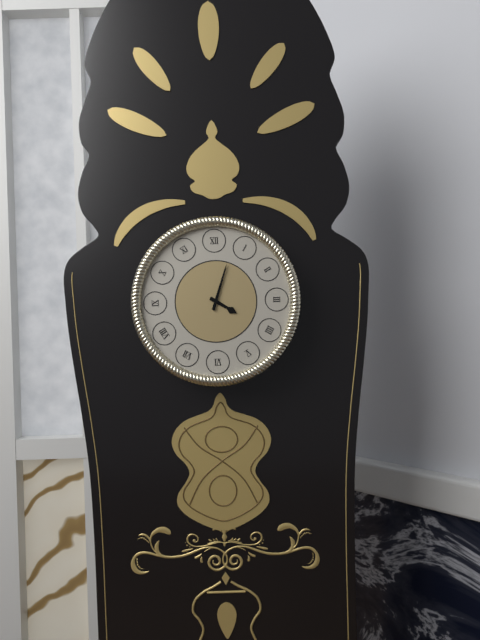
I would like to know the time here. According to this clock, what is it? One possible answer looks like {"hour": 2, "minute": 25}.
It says {"hour": 4, "minute": 3}
